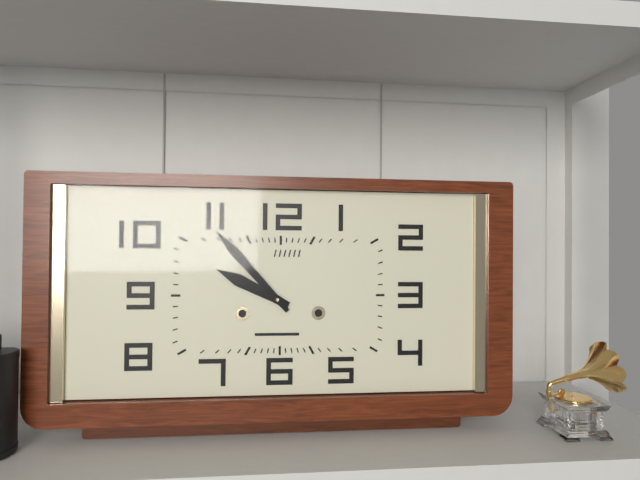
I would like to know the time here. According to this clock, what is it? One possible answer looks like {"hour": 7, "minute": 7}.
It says {"hour": 9, "minute": 53}
